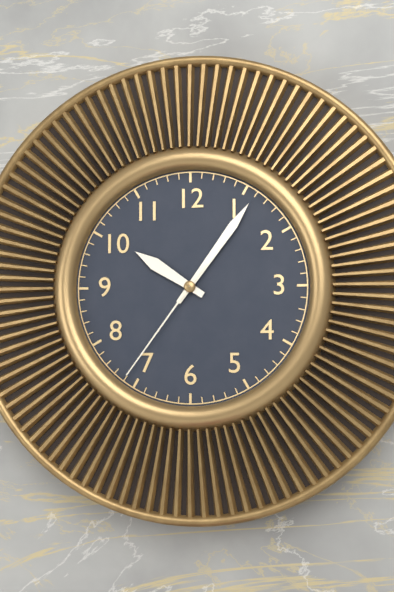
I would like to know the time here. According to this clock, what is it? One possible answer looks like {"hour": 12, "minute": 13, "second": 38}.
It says {"hour": 10, "minute": 6, "second": 36}
